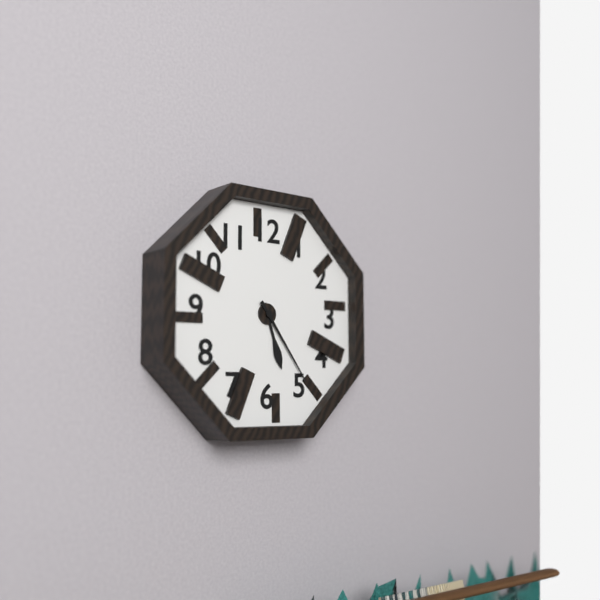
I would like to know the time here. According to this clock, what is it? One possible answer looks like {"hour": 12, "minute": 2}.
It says {"hour": 5, "minute": 24}
